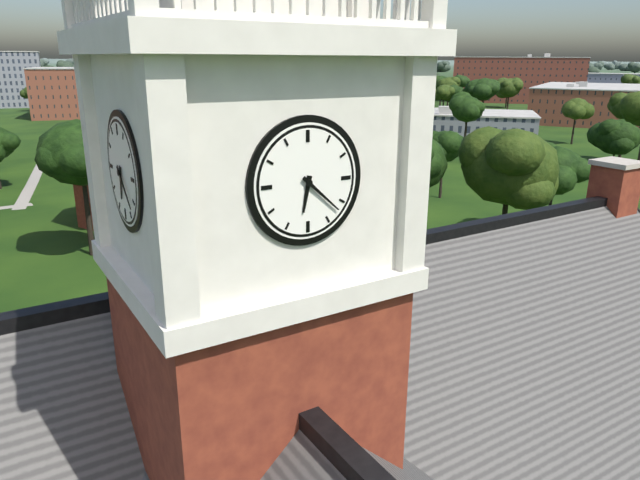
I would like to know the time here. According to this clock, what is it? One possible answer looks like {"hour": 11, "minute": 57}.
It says {"hour": 6, "minute": 22}
